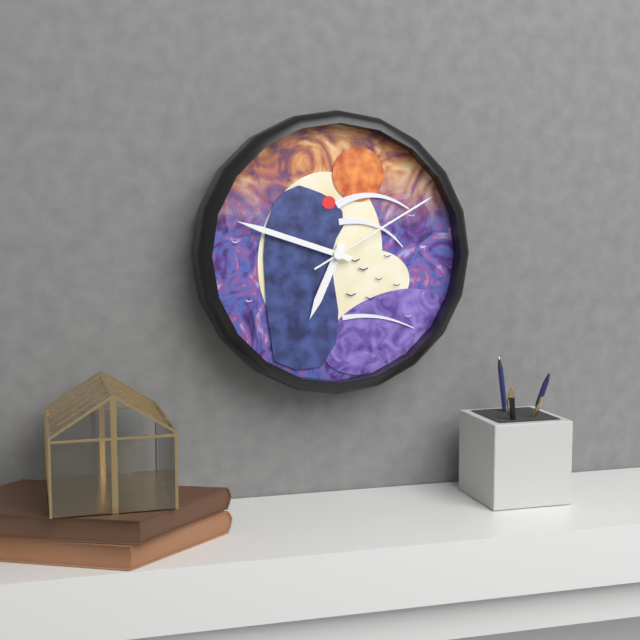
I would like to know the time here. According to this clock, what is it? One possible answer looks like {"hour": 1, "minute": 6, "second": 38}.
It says {"hour": 6, "minute": 48, "second": 10}
